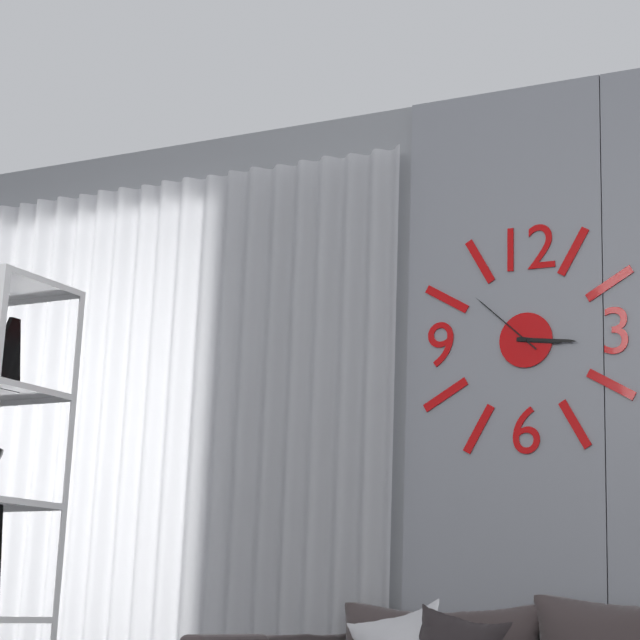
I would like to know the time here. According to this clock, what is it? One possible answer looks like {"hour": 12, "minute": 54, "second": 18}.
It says {"hour": 3, "minute": 16, "second": 52}
